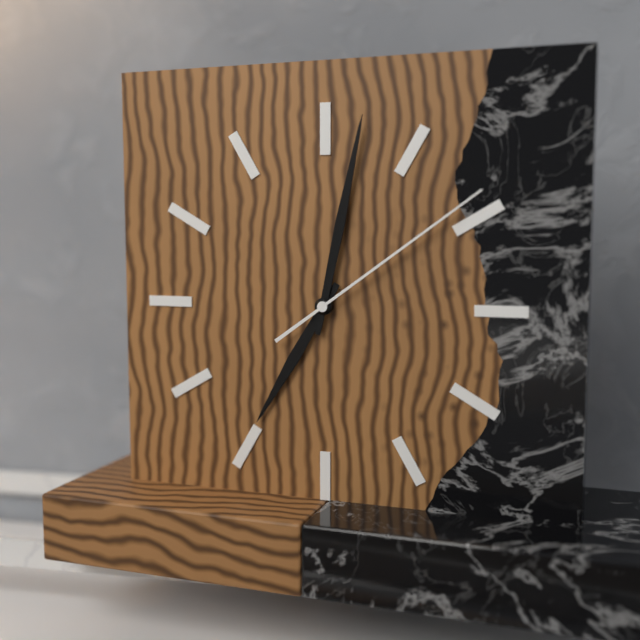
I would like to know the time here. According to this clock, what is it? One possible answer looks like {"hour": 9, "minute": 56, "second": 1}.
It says {"hour": 7, "minute": 2, "second": 9}
